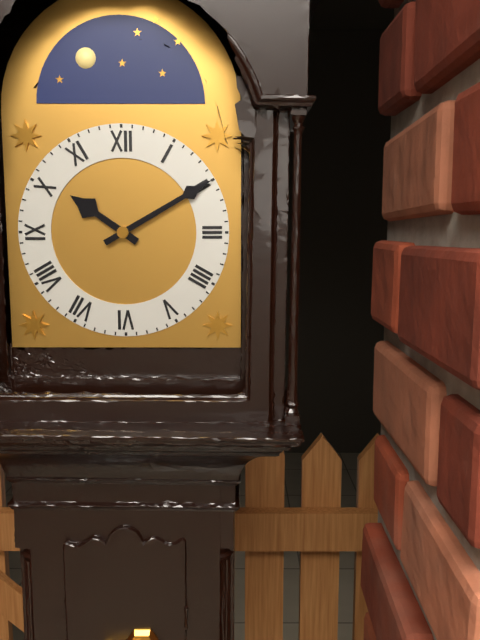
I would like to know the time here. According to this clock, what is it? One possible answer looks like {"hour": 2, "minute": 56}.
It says {"hour": 10, "minute": 10}
